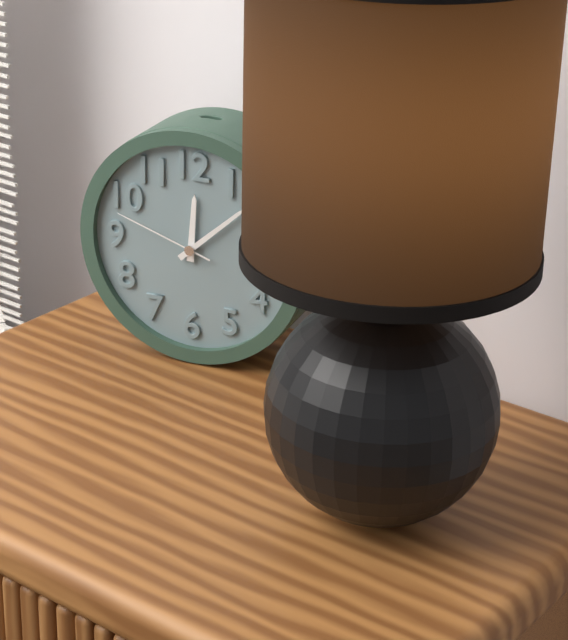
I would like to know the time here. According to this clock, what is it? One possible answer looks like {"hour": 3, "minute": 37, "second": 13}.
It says {"hour": 12, "minute": 8, "second": 48}
